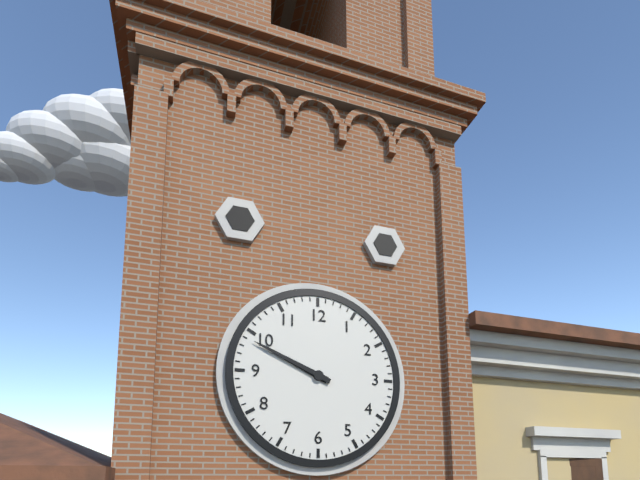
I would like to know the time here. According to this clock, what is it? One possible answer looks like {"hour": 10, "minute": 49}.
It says {"hour": 9, "minute": 49}
